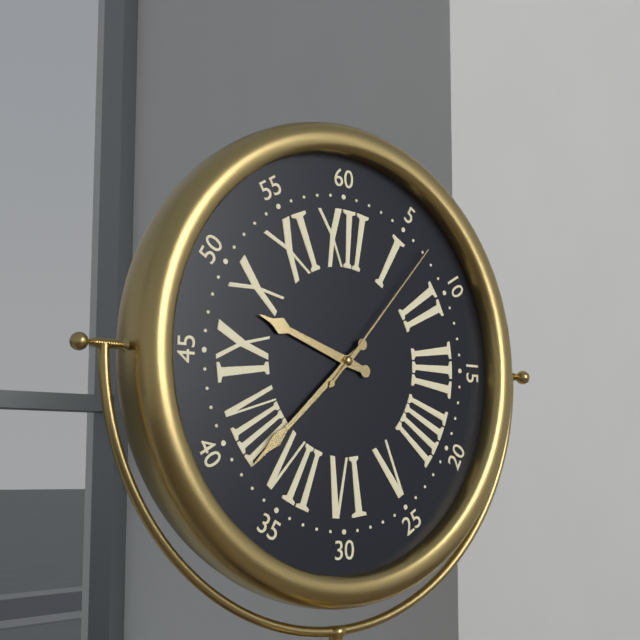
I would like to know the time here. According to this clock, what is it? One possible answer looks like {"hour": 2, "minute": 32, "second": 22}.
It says {"hour": 9, "minute": 38, "second": 7}
